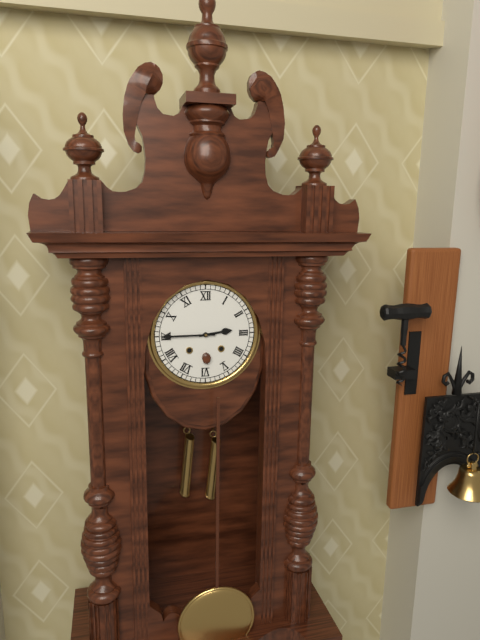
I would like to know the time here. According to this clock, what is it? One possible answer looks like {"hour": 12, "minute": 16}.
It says {"hour": 2, "minute": 45}
